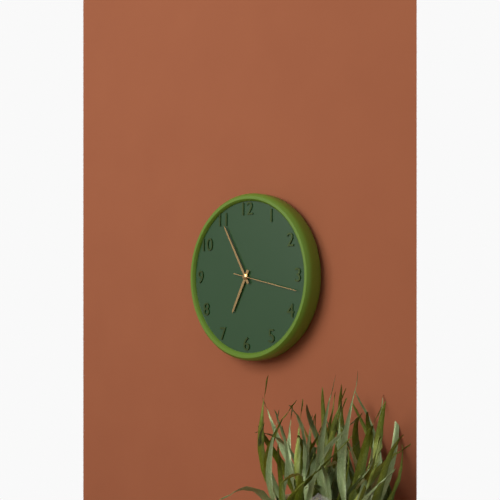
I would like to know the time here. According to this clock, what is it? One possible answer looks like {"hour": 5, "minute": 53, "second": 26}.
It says {"hour": 6, "minute": 55, "second": 17}
